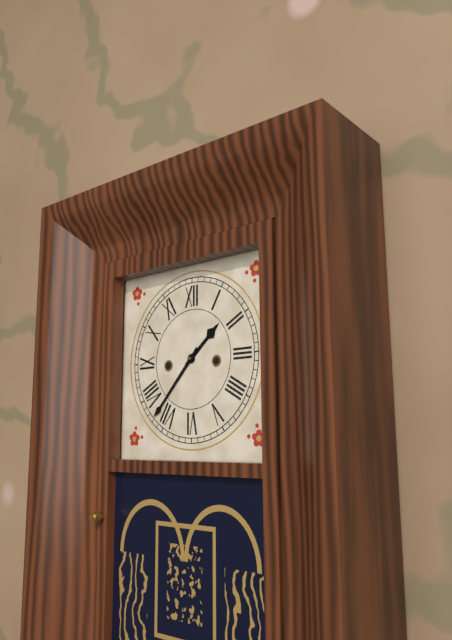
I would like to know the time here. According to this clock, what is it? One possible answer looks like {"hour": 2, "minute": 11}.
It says {"hour": 1, "minute": 37}
